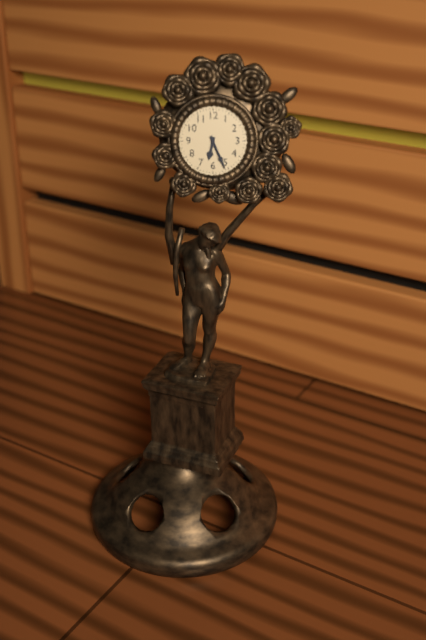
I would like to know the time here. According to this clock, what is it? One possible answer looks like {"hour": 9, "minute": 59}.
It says {"hour": 6, "minute": 26}
